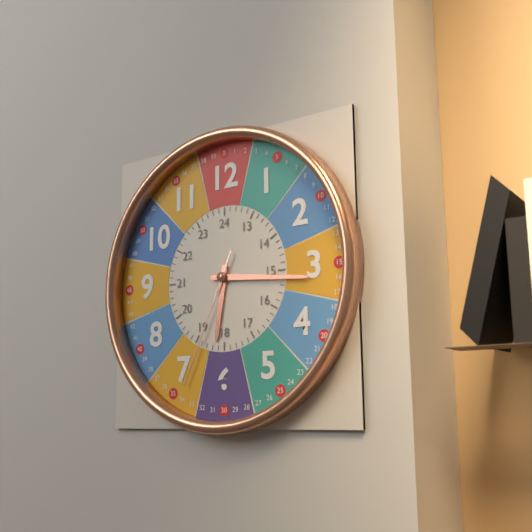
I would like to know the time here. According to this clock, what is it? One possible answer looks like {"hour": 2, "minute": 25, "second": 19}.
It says {"hour": 6, "minute": 16, "second": 34}
